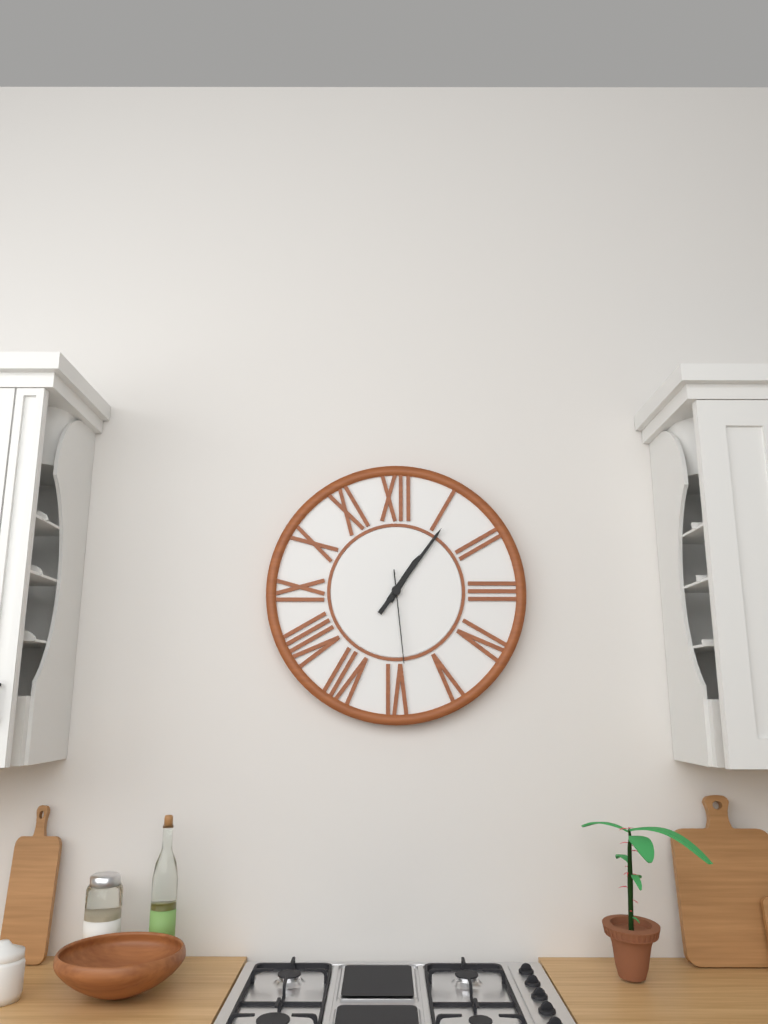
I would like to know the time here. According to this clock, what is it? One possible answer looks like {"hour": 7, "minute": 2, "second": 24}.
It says {"hour": 1, "minute": 6, "second": 29}
